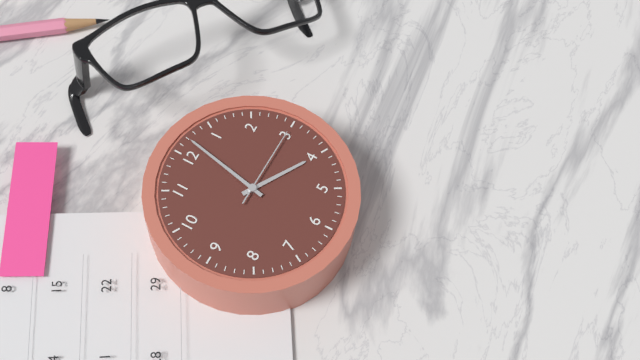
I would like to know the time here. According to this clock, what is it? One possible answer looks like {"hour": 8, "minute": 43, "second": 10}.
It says {"hour": 4, "minute": 2, "second": 15}
